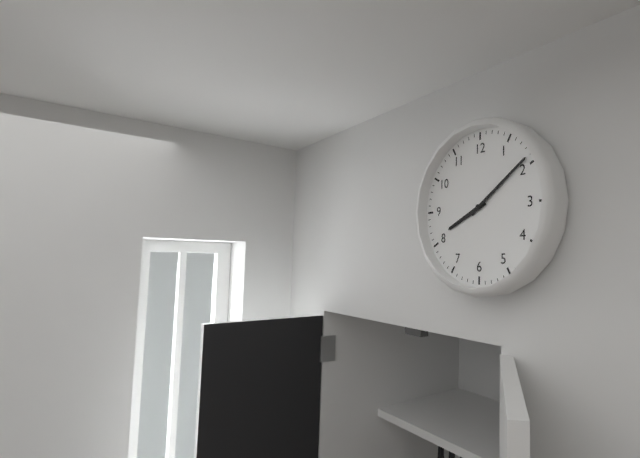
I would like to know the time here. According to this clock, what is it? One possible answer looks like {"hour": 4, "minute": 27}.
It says {"hour": 8, "minute": 9}
